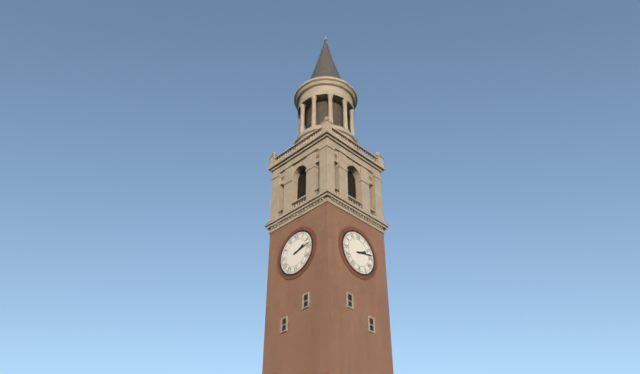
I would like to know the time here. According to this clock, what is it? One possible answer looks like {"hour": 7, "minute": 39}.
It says {"hour": 2, "minute": 13}
